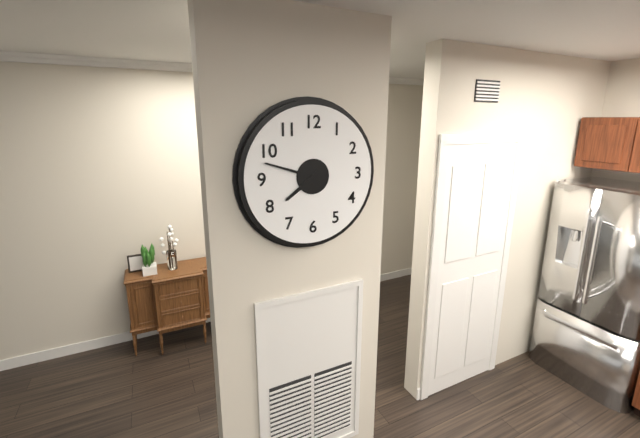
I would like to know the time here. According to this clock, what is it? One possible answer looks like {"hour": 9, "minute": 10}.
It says {"hour": 7, "minute": 48}
